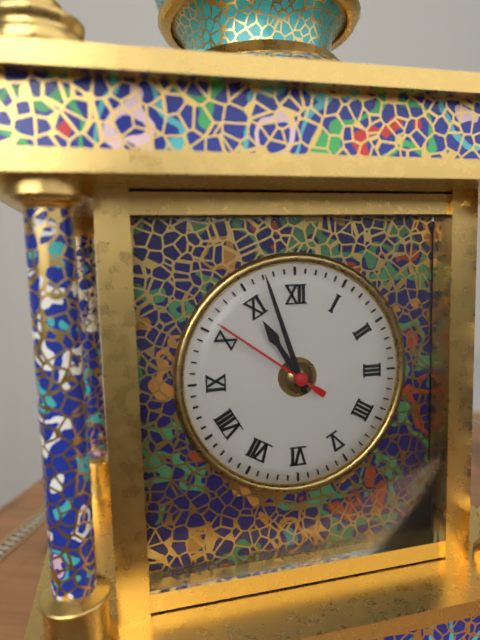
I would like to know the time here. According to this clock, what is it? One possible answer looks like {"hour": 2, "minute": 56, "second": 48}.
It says {"hour": 10, "minute": 57, "second": 51}
